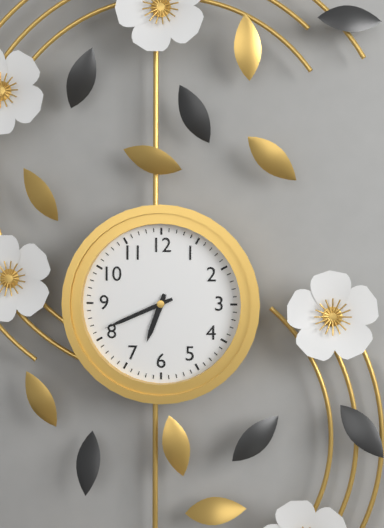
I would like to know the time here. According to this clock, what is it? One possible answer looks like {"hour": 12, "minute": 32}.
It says {"hour": 6, "minute": 41}
